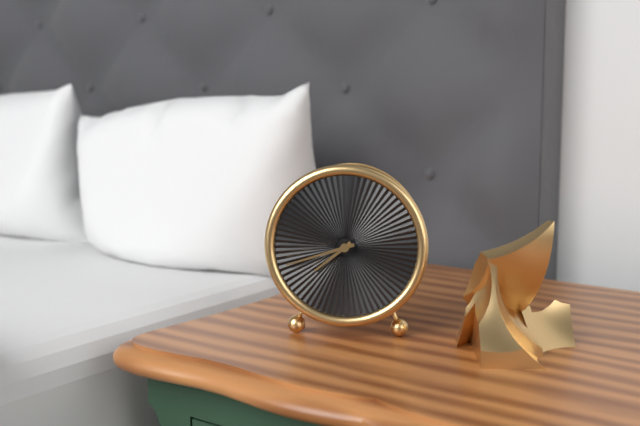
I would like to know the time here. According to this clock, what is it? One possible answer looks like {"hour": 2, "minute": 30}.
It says {"hour": 7, "minute": 42}
